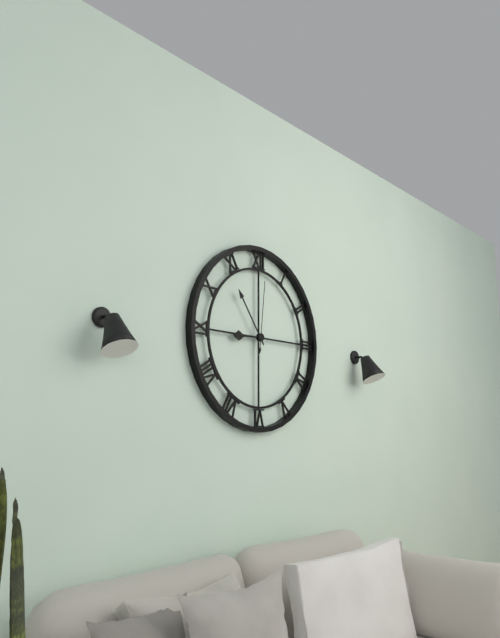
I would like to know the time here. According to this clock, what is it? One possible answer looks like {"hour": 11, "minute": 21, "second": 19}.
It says {"hour": 8, "minute": 54, "second": 1}
